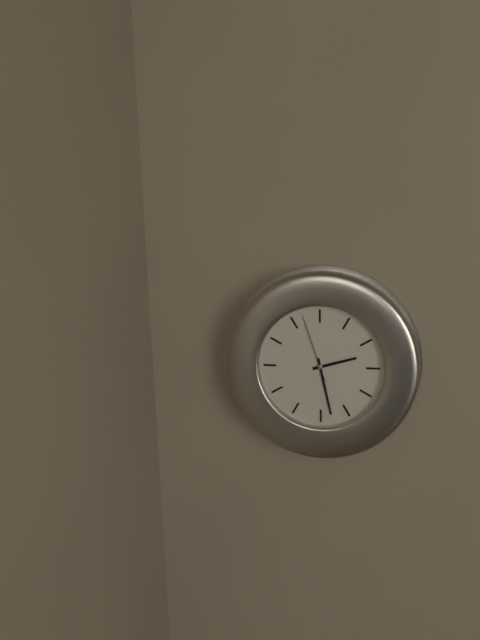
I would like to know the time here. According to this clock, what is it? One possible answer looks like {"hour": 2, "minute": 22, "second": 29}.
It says {"hour": 2, "minute": 28, "second": 57}
